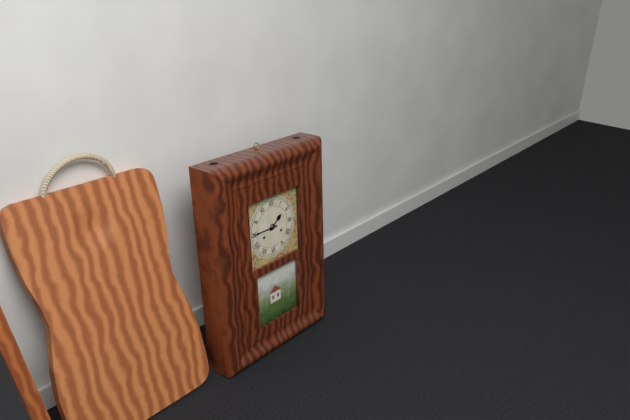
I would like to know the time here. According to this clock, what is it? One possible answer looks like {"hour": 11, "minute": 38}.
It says {"hour": 1, "minute": 45}
